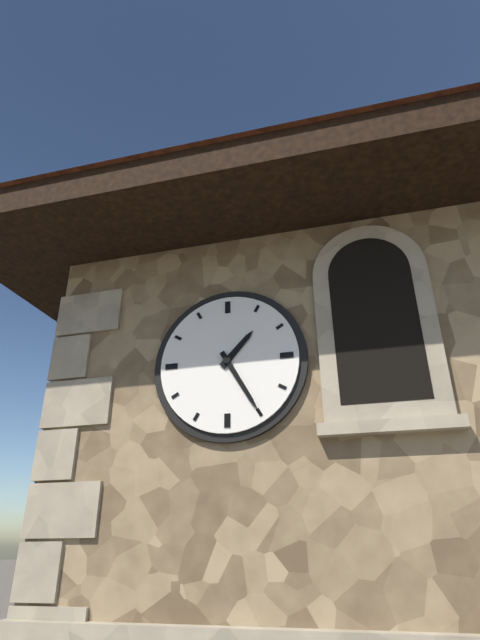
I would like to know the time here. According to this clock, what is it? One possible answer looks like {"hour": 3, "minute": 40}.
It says {"hour": 1, "minute": 25}
